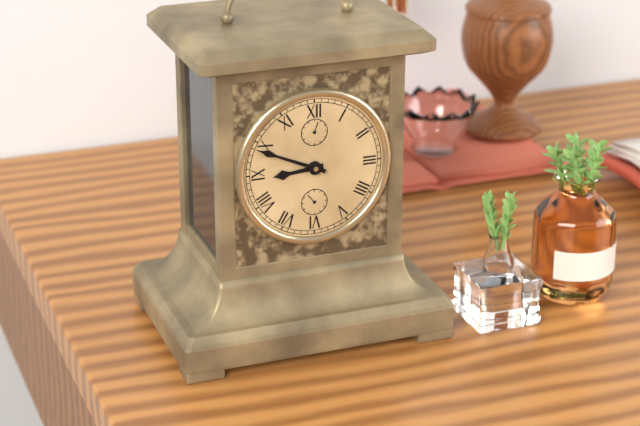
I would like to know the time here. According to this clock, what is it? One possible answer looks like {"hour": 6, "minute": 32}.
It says {"hour": 8, "minute": 49}
